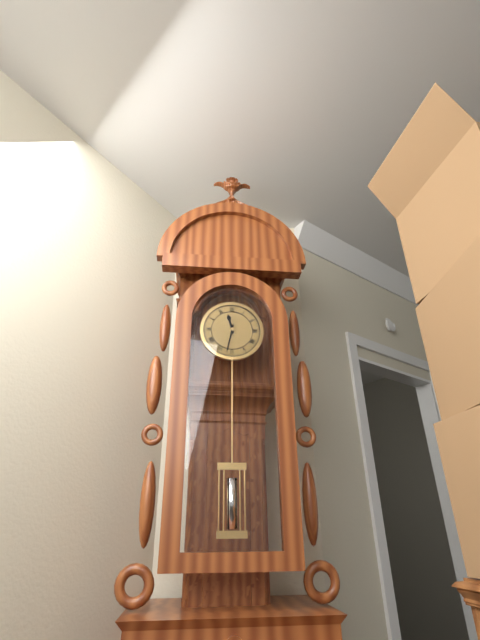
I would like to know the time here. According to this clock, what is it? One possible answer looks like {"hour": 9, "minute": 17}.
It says {"hour": 11, "minute": 32}
